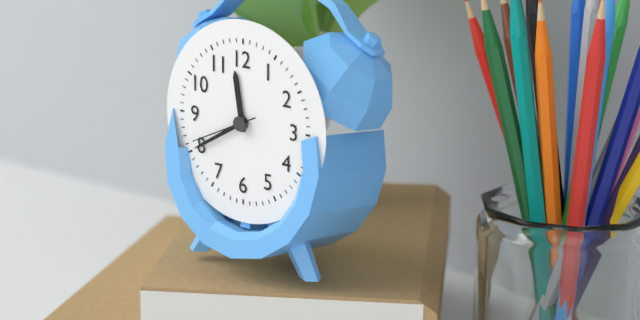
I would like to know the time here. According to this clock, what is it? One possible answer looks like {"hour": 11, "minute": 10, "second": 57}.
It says {"hour": 11, "minute": 40, "second": 41}
